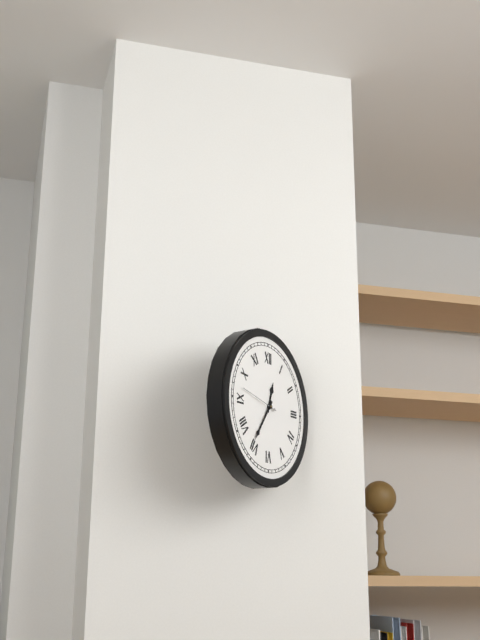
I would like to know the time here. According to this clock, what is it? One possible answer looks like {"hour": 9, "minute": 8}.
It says {"hour": 12, "minute": 36}
